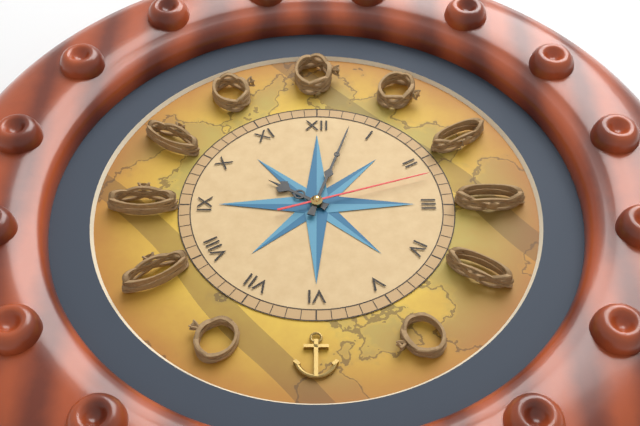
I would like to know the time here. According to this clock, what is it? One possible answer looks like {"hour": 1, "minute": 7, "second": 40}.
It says {"hour": 10, "minute": 3, "second": 12}
